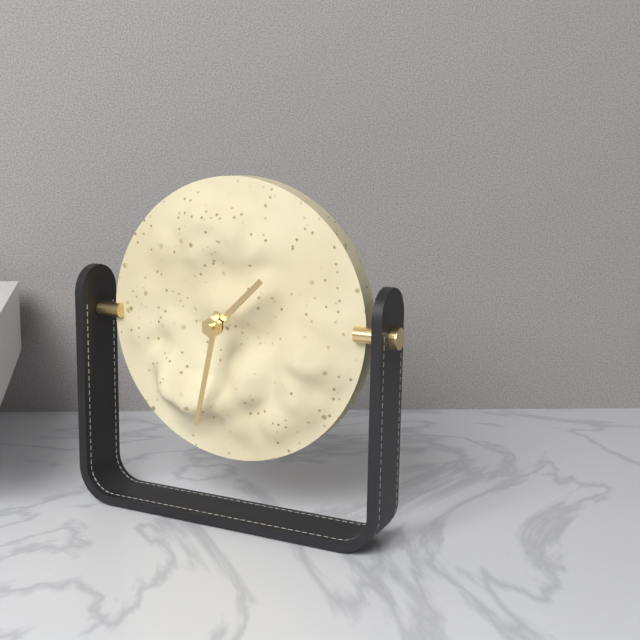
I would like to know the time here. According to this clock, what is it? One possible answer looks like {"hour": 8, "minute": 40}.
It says {"hour": 1, "minute": 32}
